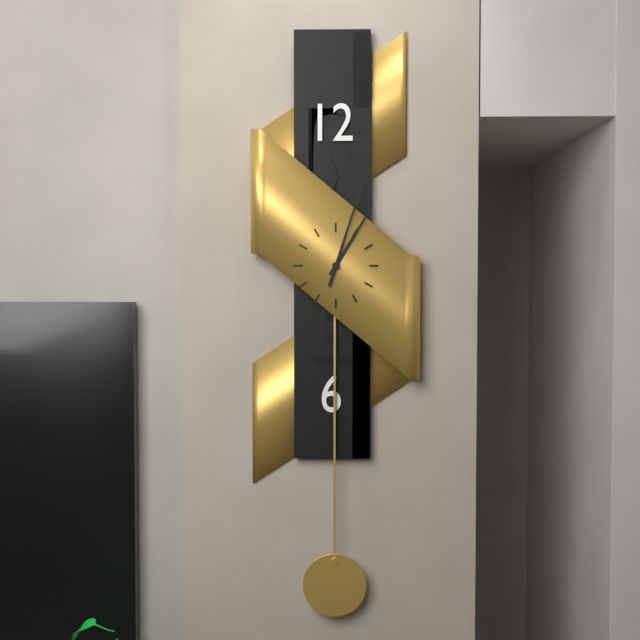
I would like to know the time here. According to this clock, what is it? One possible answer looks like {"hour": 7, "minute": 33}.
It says {"hour": 1, "minute": 3}
